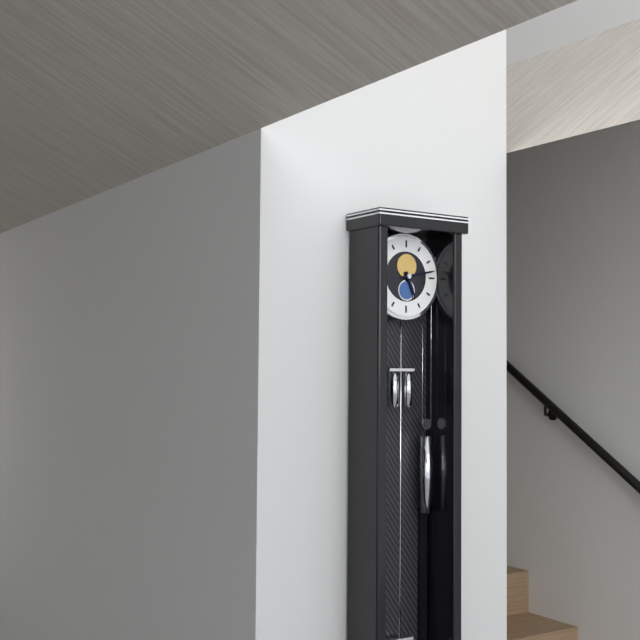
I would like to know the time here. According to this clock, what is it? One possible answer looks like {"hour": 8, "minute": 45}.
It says {"hour": 5, "minute": 13}
